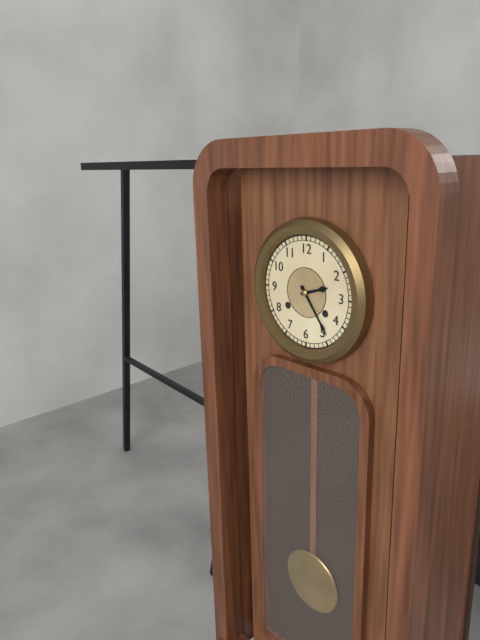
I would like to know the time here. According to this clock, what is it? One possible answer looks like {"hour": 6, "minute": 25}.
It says {"hour": 2, "minute": 24}
